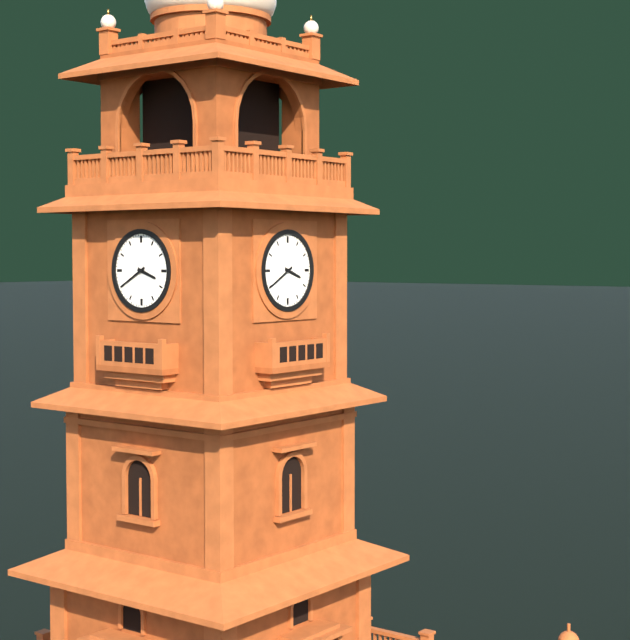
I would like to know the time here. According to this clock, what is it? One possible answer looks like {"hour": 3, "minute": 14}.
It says {"hour": 3, "minute": 40}
